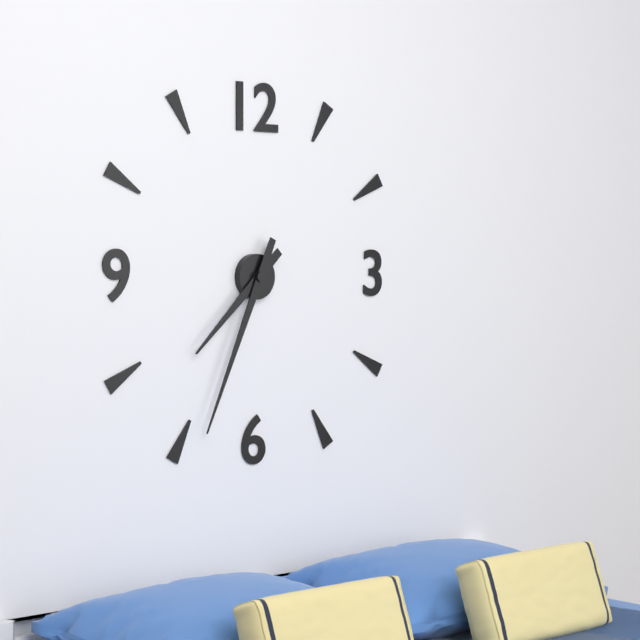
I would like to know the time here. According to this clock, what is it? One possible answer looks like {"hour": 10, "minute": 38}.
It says {"hour": 7, "minute": 34}
